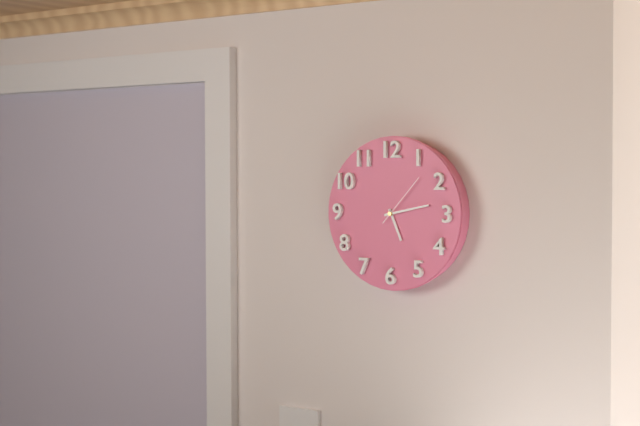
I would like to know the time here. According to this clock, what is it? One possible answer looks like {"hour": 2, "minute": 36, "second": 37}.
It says {"hour": 5, "minute": 13, "second": 7}
